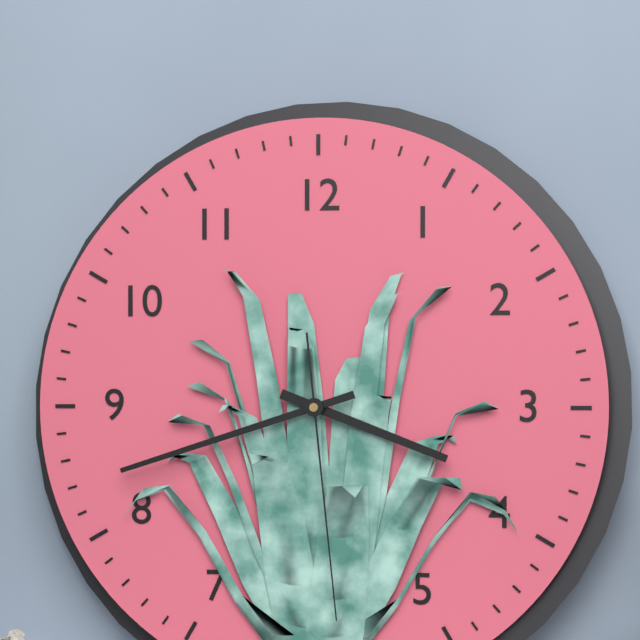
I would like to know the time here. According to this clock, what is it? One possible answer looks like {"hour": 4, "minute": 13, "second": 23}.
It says {"hour": 3, "minute": 42, "second": 29}
